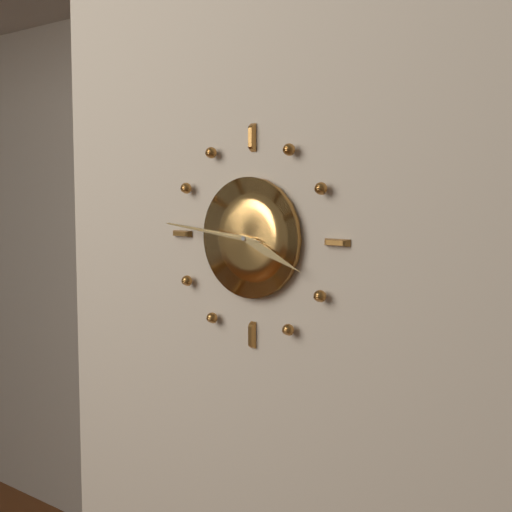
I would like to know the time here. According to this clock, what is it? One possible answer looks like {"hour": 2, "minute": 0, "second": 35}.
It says {"hour": 3, "minute": 46, "second": 46}
